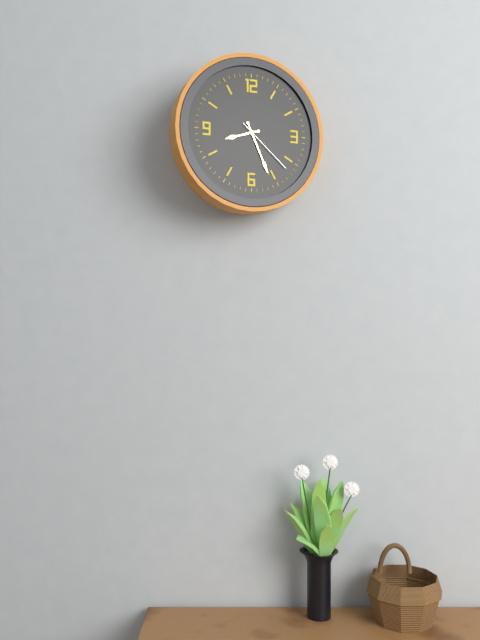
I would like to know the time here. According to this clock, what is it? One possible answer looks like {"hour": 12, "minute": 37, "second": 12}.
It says {"hour": 8, "minute": 26, "second": 22}
